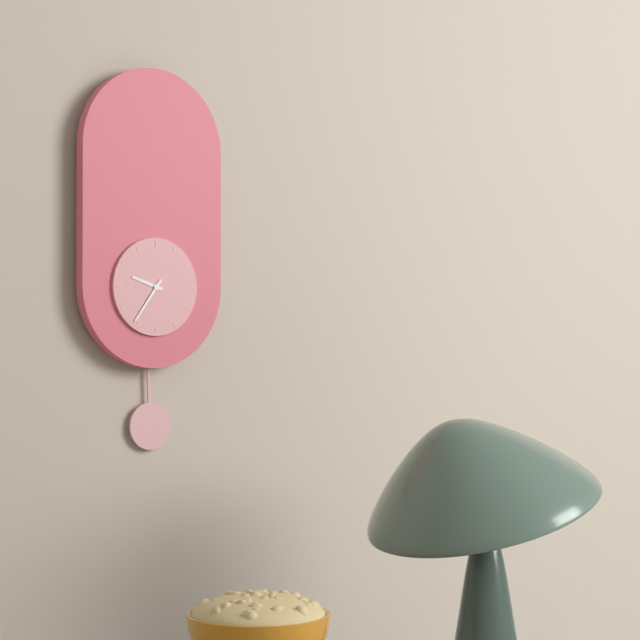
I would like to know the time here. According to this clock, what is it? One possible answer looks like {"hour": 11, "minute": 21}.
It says {"hour": 9, "minute": 36}
